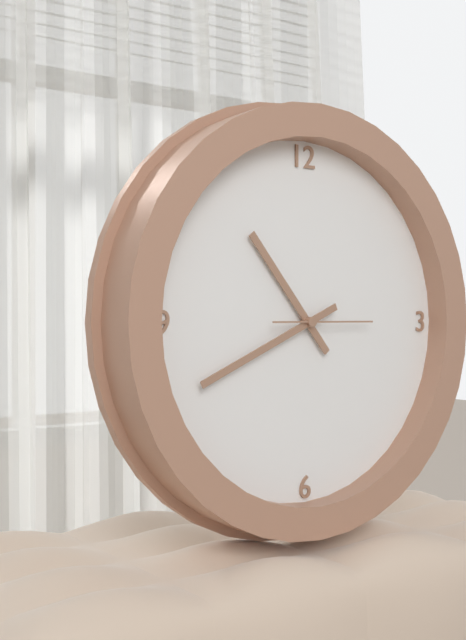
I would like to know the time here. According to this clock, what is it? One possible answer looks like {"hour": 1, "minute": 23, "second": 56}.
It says {"hour": 10, "minute": 41, "second": 15}
